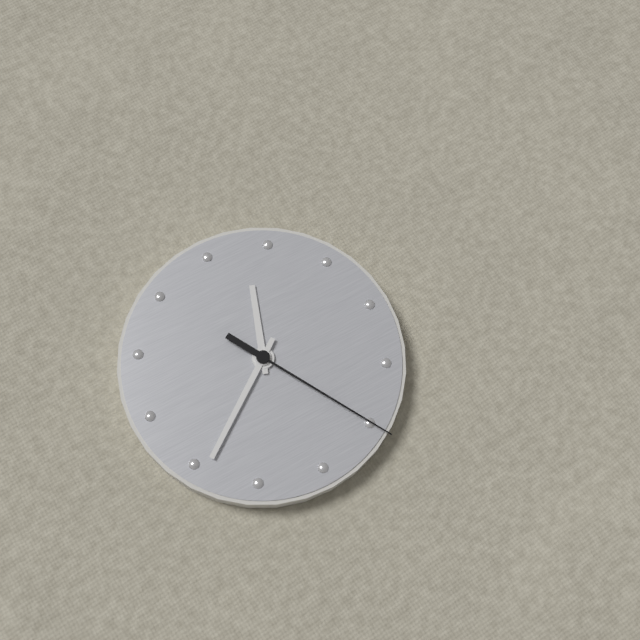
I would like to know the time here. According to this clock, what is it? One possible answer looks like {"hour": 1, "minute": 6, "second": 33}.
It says {"hour": 12, "minute": 39, "second": 25}
